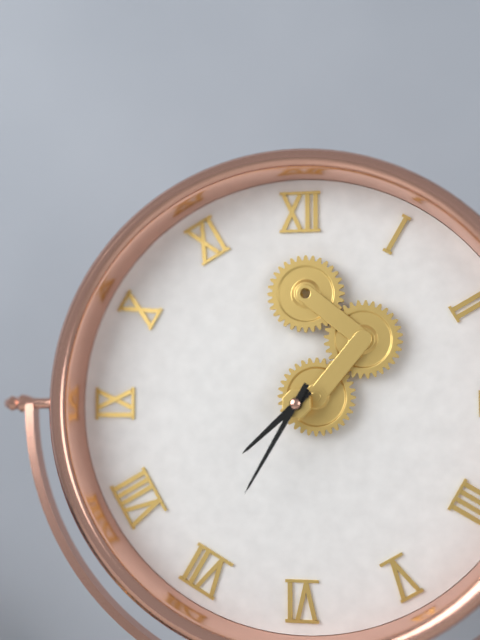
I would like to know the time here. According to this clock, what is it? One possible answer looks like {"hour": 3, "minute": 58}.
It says {"hour": 7, "minute": 35}
